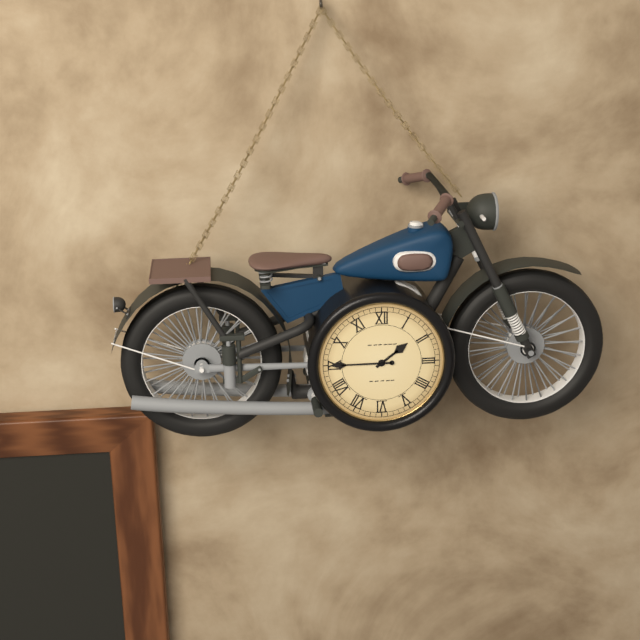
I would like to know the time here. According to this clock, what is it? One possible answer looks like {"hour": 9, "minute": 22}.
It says {"hour": 1, "minute": 45}
